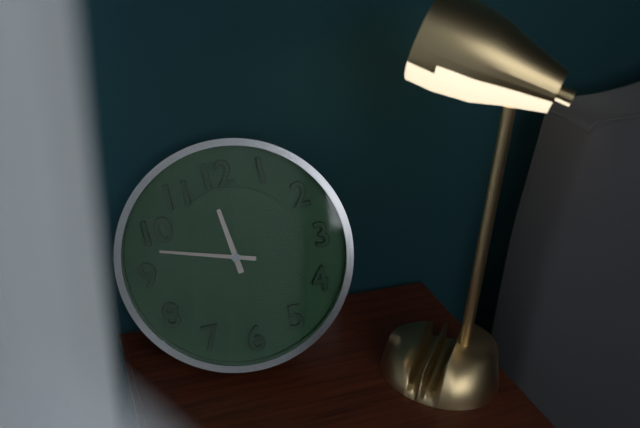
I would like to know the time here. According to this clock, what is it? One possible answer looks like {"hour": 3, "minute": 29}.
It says {"hour": 11, "minute": 48}
